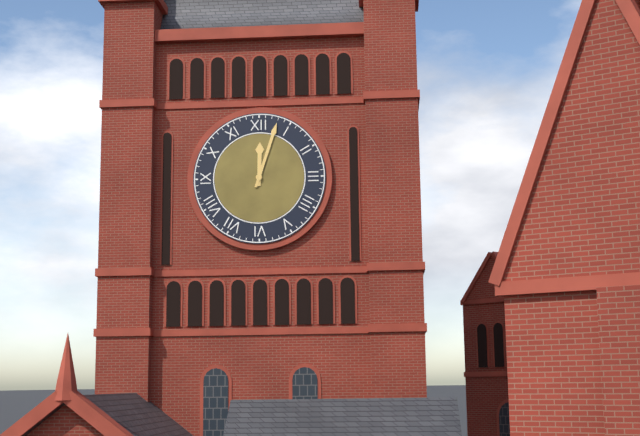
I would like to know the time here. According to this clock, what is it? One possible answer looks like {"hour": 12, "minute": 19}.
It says {"hour": 12, "minute": 3}
